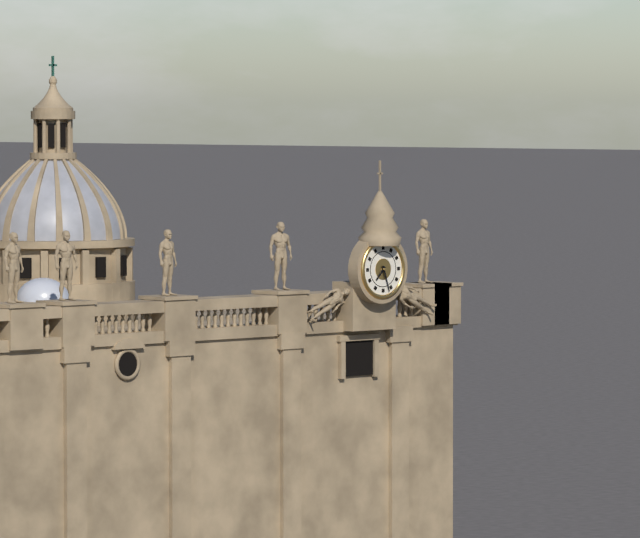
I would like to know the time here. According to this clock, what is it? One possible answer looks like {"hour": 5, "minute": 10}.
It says {"hour": 7, "minute": 27}
